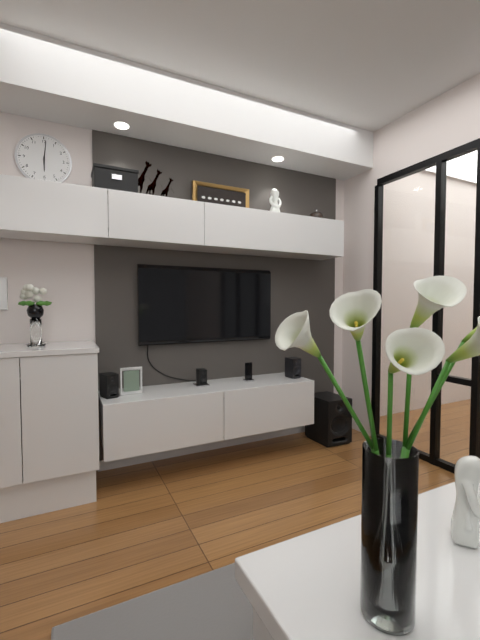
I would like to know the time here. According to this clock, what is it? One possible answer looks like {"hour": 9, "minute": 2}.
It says {"hour": 6, "minute": 1}
